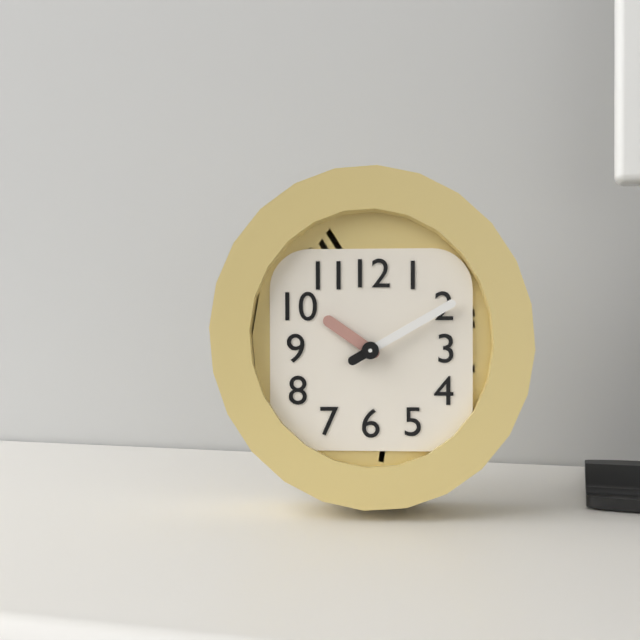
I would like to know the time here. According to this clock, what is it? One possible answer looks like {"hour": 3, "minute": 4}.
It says {"hour": 10, "minute": 10}
